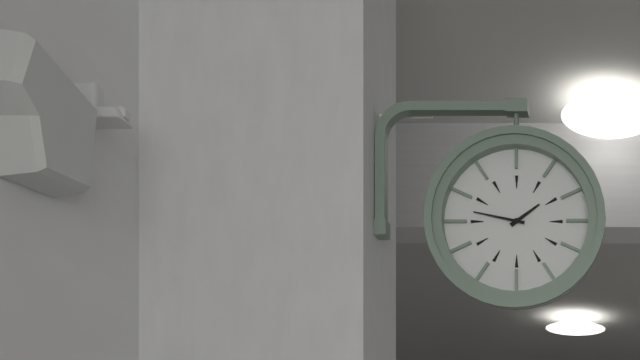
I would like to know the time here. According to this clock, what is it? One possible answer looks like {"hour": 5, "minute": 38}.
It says {"hour": 1, "minute": 47}
